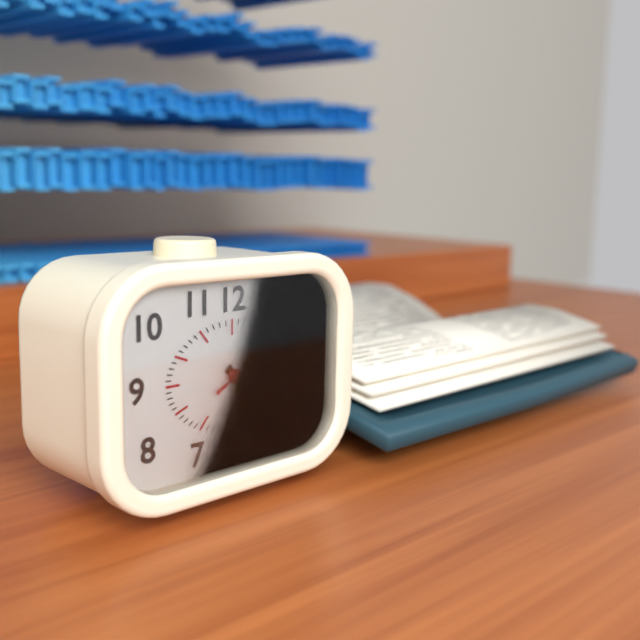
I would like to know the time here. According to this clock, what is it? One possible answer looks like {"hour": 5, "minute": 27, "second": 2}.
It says {"hour": 4, "minute": 25, "second": 10}
